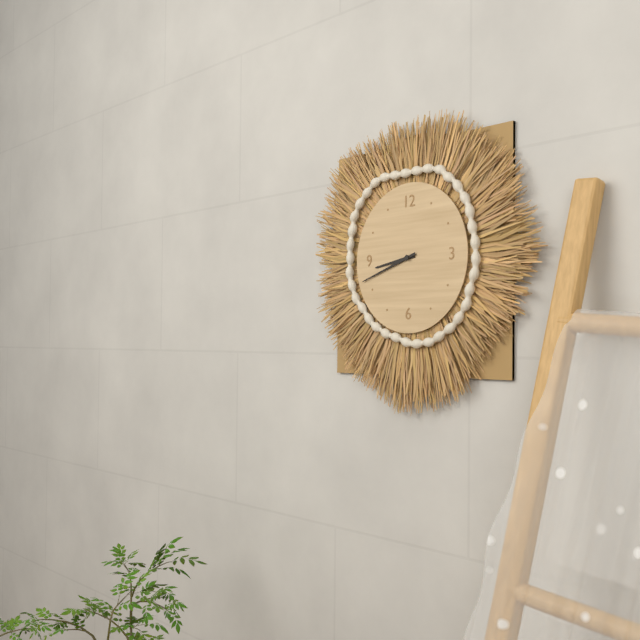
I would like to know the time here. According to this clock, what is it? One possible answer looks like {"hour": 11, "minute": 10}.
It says {"hour": 8, "minute": 42}
